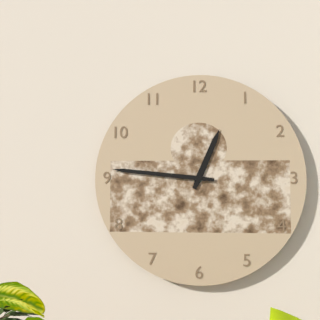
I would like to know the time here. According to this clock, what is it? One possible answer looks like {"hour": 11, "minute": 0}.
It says {"hour": 12, "minute": 46}
